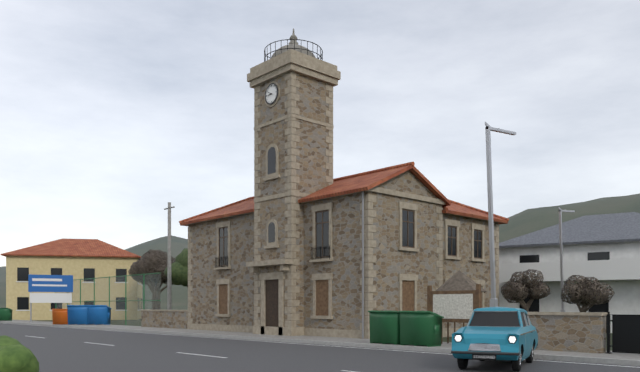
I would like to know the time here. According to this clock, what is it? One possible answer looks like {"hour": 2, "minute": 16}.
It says {"hour": 8, "minute": 50}
